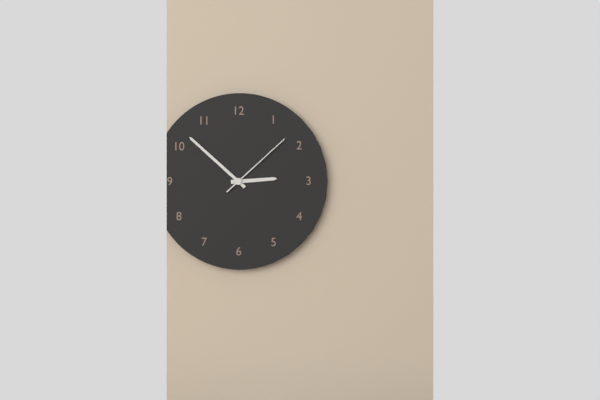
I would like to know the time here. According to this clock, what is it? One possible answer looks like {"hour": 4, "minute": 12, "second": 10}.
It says {"hour": 2, "minute": 52, "second": 8}
